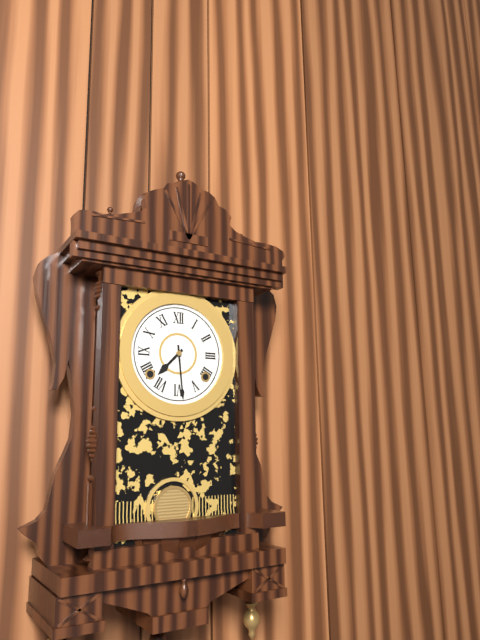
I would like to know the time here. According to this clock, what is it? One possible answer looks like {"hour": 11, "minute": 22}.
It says {"hour": 7, "minute": 29}
